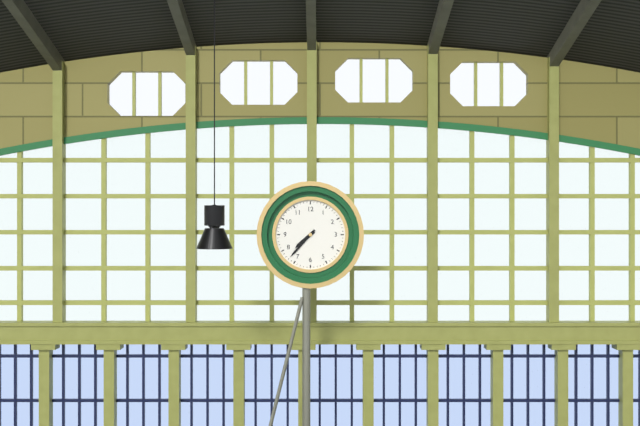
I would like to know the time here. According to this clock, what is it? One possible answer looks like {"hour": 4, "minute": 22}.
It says {"hour": 7, "minute": 37}
